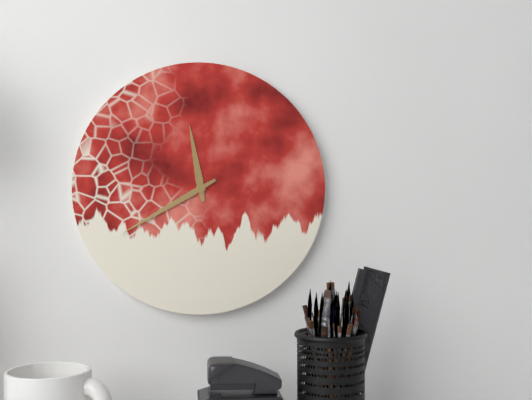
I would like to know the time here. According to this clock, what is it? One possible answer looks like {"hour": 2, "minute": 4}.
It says {"hour": 11, "minute": 40}
